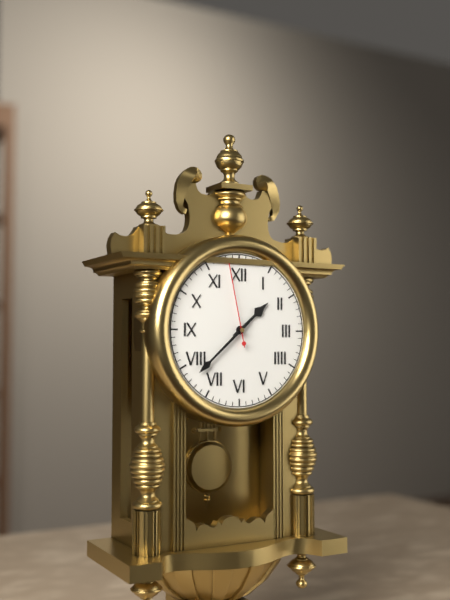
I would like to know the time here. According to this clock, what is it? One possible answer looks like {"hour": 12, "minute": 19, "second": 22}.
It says {"hour": 1, "minute": 38, "second": 58}
